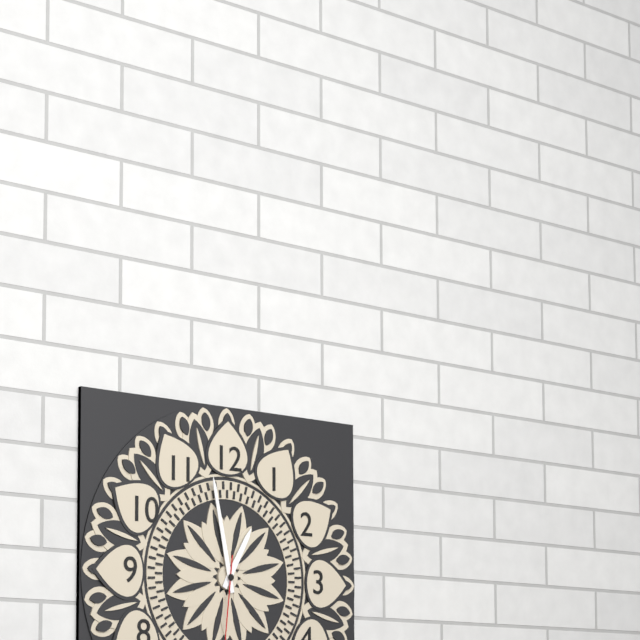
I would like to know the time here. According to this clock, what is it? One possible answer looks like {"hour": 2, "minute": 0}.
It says {"hour": 12, "minute": 58}
